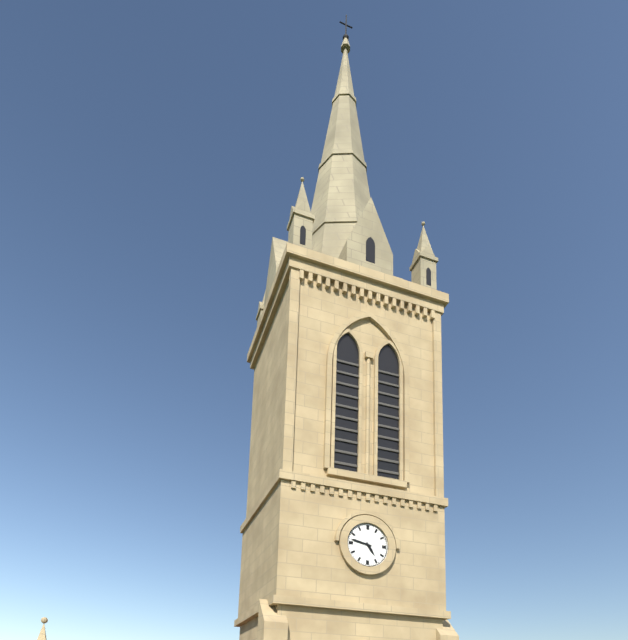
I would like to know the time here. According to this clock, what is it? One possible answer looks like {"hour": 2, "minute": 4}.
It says {"hour": 4, "minute": 47}
